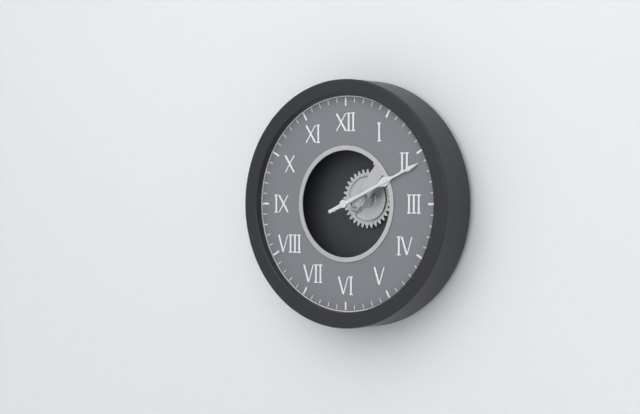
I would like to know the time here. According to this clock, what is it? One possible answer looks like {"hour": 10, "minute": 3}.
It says {"hour": 2, "minute": 11}
